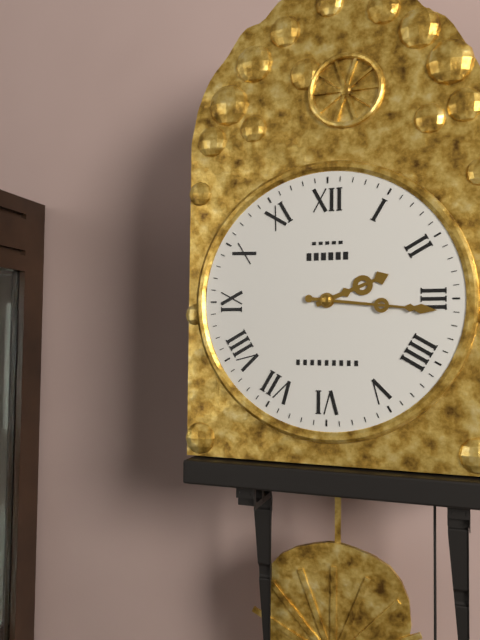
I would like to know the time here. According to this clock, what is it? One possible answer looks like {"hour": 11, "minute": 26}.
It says {"hour": 2, "minute": 16}
